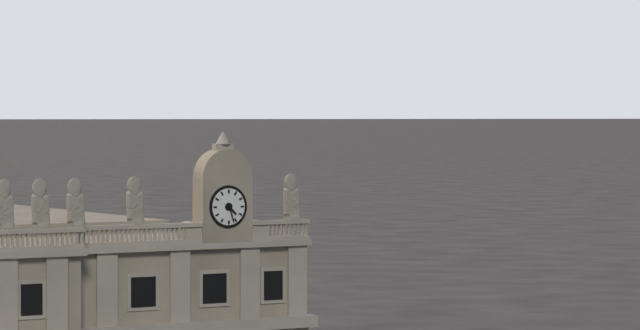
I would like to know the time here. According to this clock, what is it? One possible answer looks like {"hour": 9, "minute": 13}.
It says {"hour": 4, "minute": 27}
